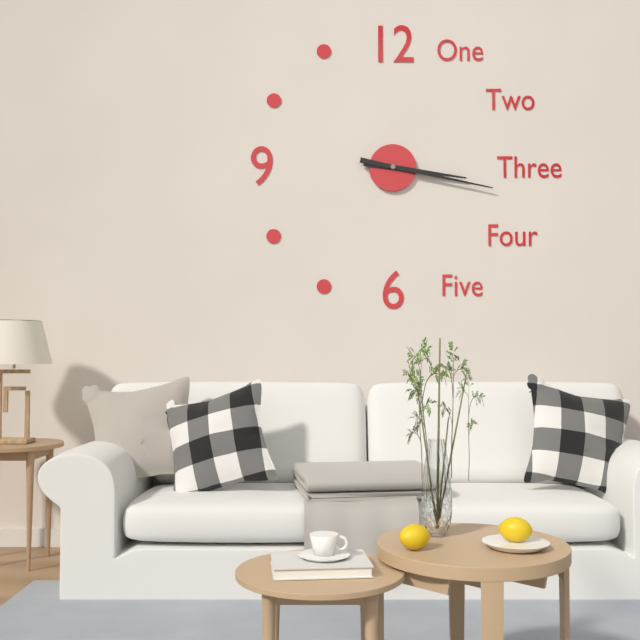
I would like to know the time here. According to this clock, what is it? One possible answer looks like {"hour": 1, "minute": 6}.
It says {"hour": 3, "minute": 17}
